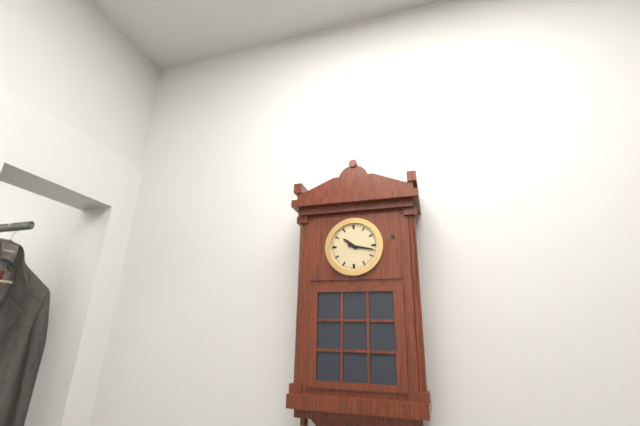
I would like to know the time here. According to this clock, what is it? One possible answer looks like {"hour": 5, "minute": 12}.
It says {"hour": 10, "minute": 17}
